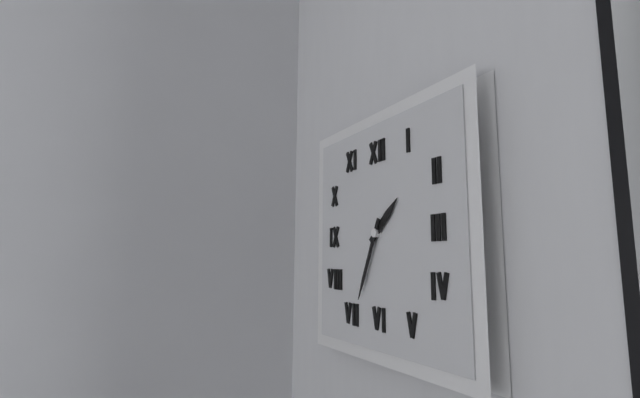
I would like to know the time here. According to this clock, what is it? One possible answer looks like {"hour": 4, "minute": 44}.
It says {"hour": 1, "minute": 34}
